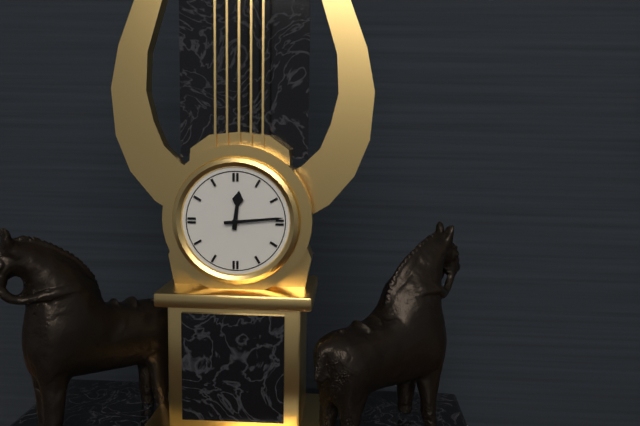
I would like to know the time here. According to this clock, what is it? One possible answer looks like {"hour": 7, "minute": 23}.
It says {"hour": 12, "minute": 14}
